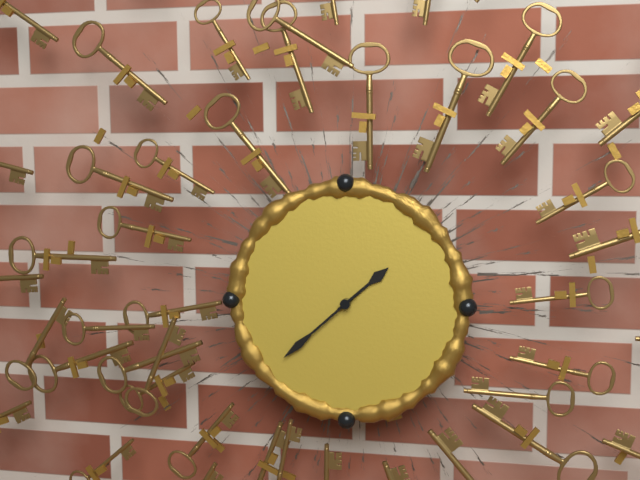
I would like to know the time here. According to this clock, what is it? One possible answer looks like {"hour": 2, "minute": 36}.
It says {"hour": 1, "minute": 38}
